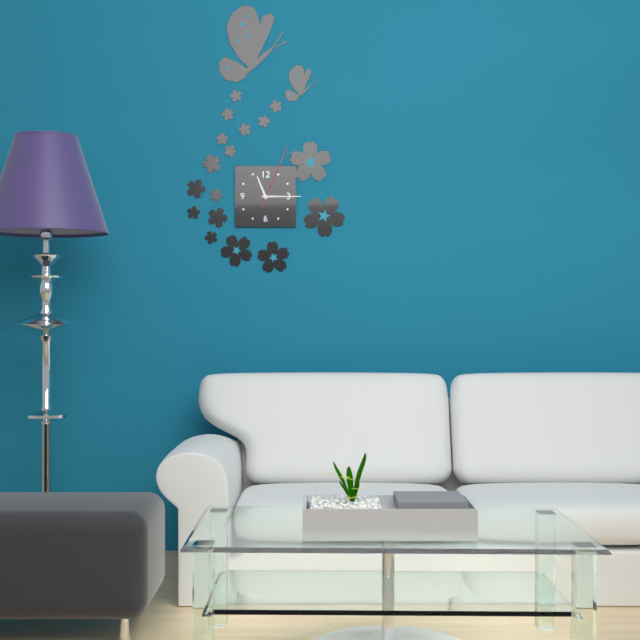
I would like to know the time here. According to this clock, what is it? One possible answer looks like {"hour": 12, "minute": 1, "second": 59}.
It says {"hour": 11, "minute": 15, "second": 4}
